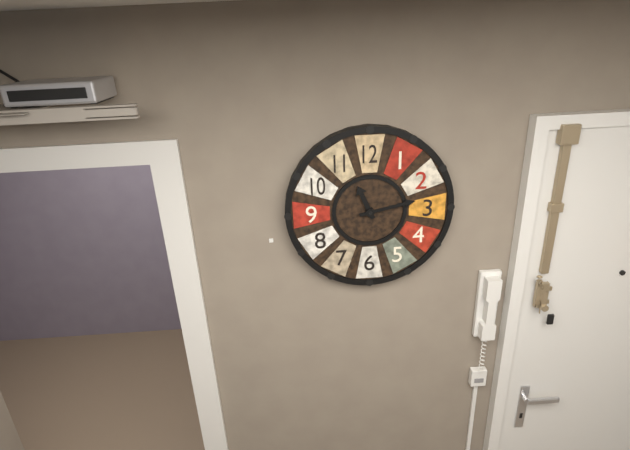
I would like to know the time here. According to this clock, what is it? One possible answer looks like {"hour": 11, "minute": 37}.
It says {"hour": 11, "minute": 13}
